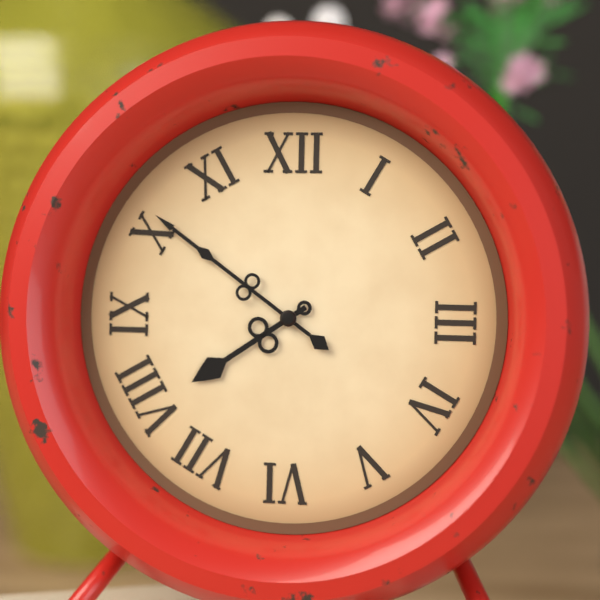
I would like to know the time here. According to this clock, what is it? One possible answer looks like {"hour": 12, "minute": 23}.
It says {"hour": 7, "minute": 51}
